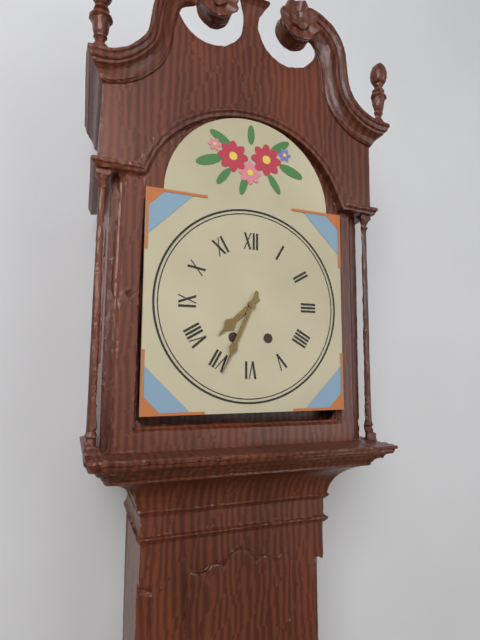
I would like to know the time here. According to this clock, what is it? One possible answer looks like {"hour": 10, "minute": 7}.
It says {"hour": 7, "minute": 34}
